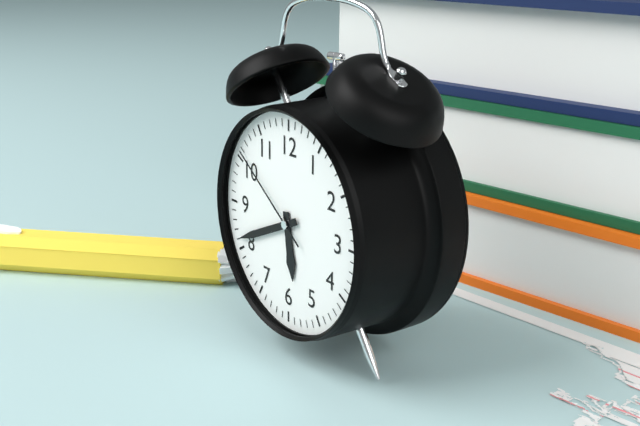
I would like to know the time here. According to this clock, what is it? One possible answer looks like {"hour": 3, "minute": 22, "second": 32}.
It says {"hour": 5, "minute": 41, "second": 51}
